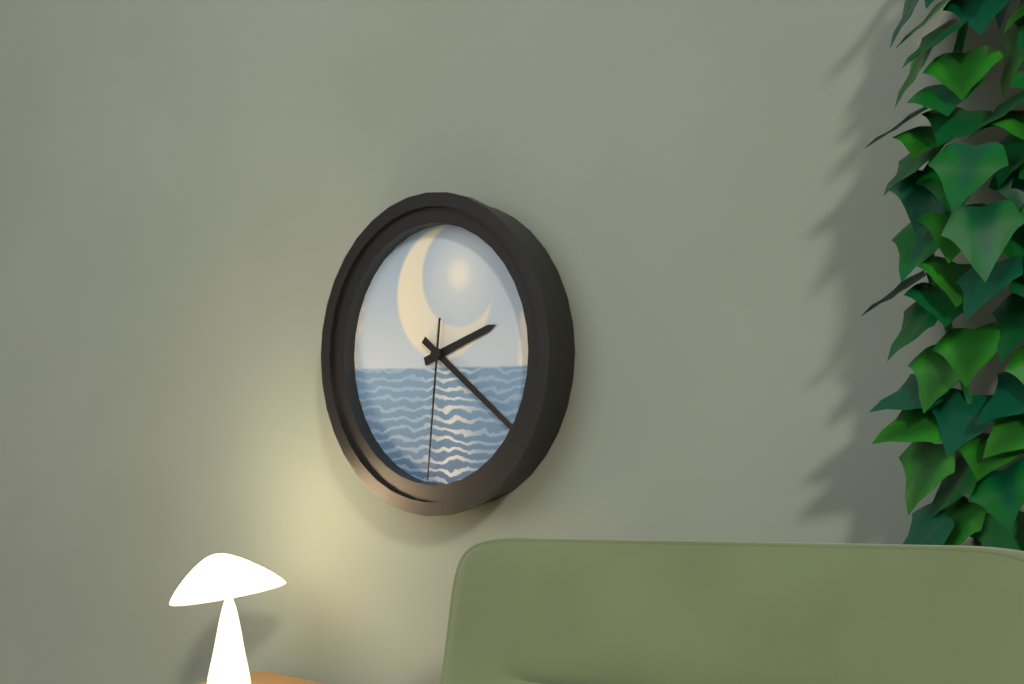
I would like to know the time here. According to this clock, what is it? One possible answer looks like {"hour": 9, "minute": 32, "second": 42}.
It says {"hour": 2, "minute": 21, "second": 31}
